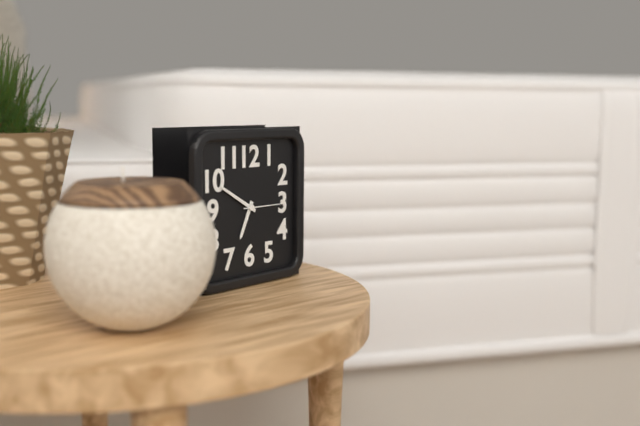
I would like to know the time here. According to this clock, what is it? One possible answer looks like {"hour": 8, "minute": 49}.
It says {"hour": 6, "minute": 50}
